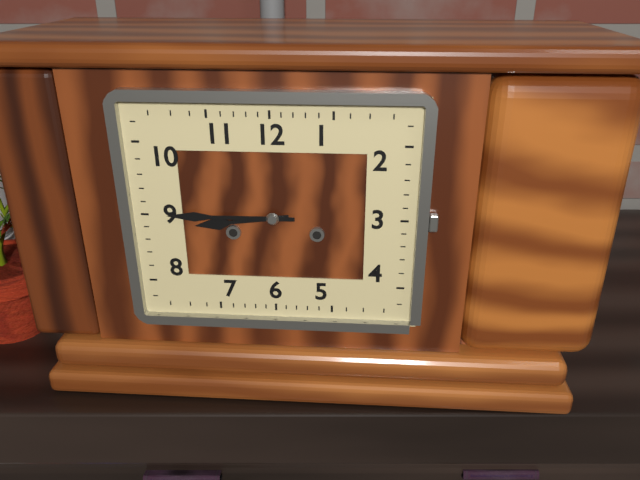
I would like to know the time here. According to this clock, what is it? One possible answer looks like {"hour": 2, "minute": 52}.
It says {"hour": 8, "minute": 45}
